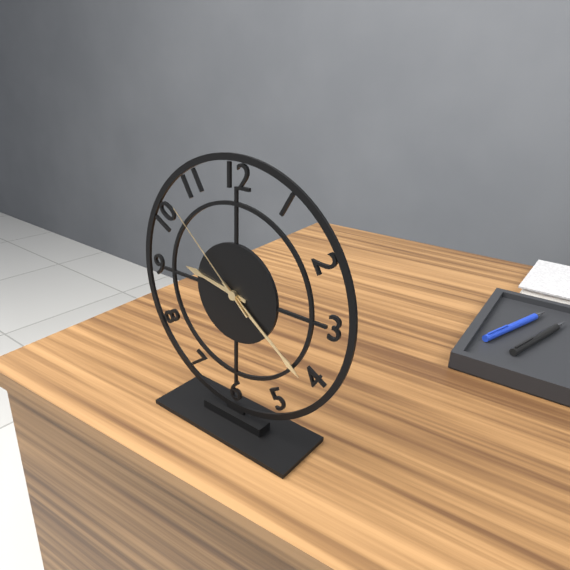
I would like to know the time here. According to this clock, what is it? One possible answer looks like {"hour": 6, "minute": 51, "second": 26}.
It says {"hour": 9, "minute": 21, "second": 52}
